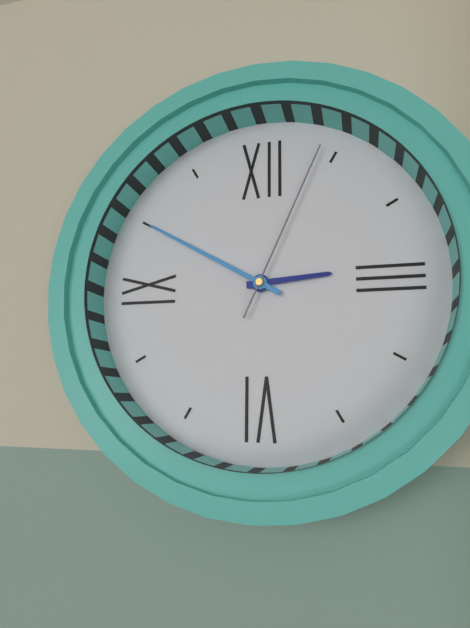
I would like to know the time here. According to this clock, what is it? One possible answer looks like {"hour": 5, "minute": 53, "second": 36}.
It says {"hour": 2, "minute": 50, "second": 4}
